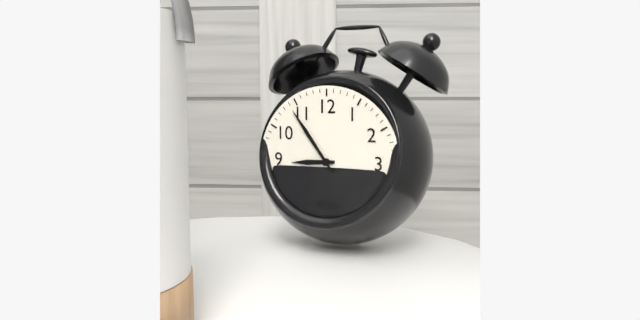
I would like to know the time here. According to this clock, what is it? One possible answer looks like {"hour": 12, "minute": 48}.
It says {"hour": 8, "minute": 54}
